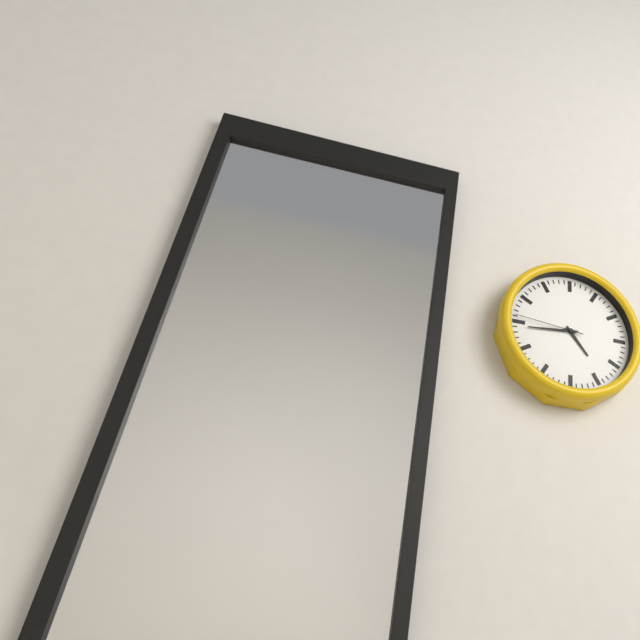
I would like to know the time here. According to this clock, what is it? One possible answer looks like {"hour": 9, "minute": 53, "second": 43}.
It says {"hour": 4, "minute": 44, "second": 46}
